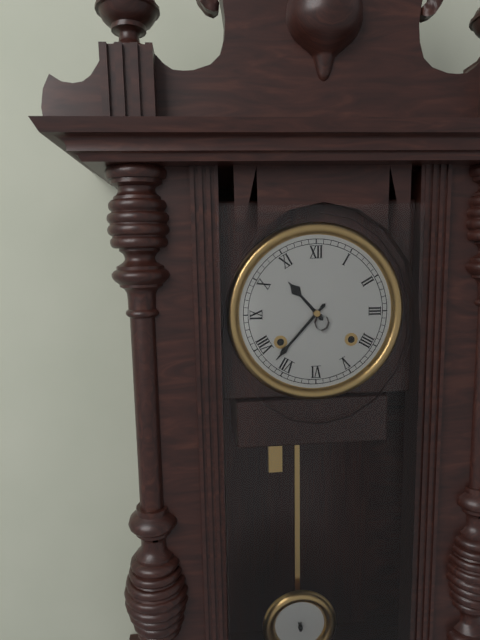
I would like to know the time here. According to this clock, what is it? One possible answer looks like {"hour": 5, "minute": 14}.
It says {"hour": 10, "minute": 37}
